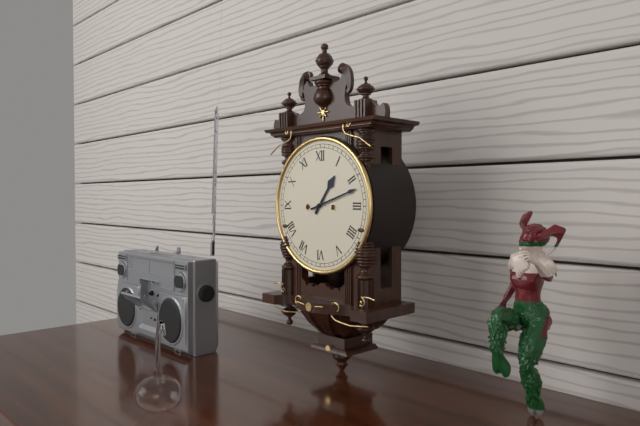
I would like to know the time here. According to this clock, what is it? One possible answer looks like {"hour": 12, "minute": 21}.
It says {"hour": 1, "minute": 12}
